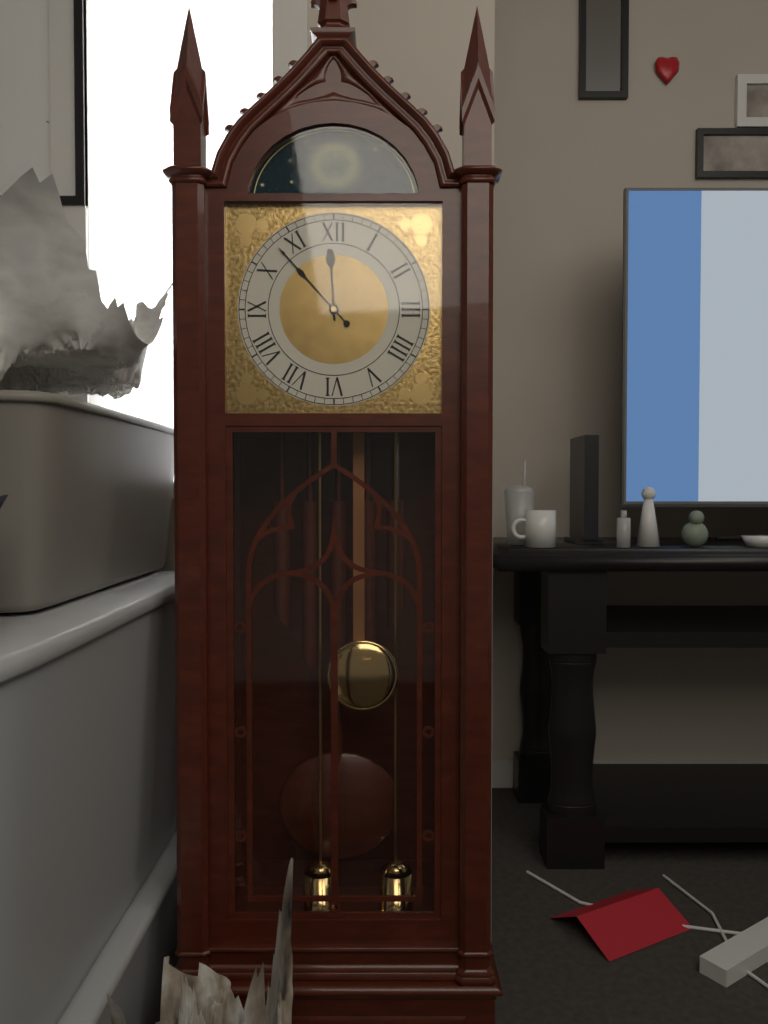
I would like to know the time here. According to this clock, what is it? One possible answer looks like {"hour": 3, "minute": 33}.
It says {"hour": 11, "minute": 53}
